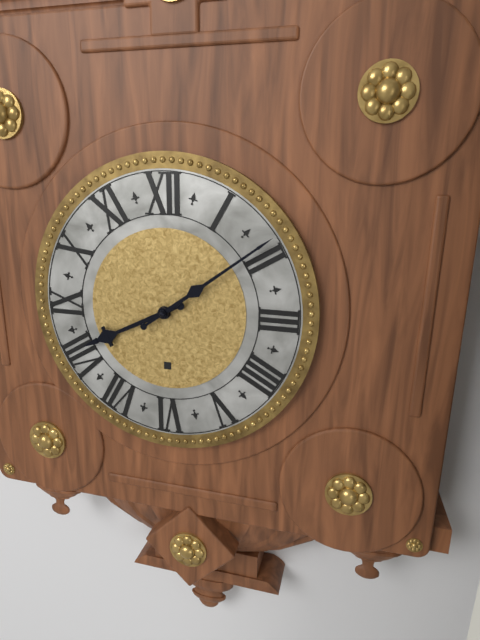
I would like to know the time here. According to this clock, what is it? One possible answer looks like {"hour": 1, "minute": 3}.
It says {"hour": 8, "minute": 9}
